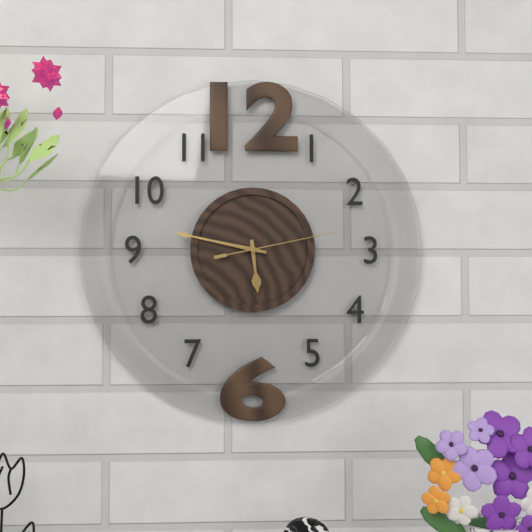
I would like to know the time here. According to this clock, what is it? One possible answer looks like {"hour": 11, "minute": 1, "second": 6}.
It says {"hour": 5, "minute": 47, "second": 13}
